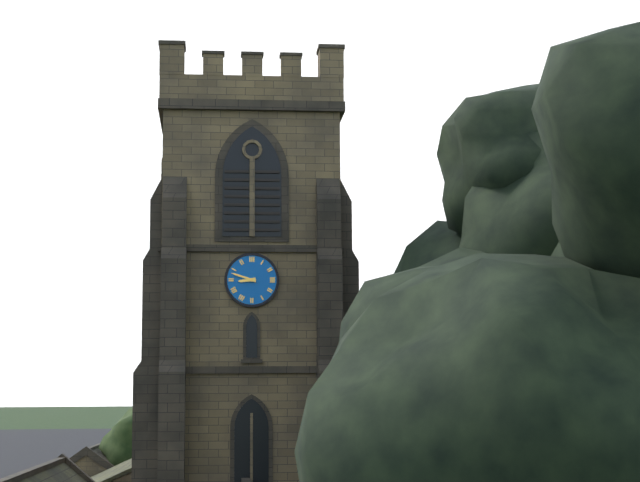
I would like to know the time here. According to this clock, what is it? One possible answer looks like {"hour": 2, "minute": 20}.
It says {"hour": 8, "minute": 48}
